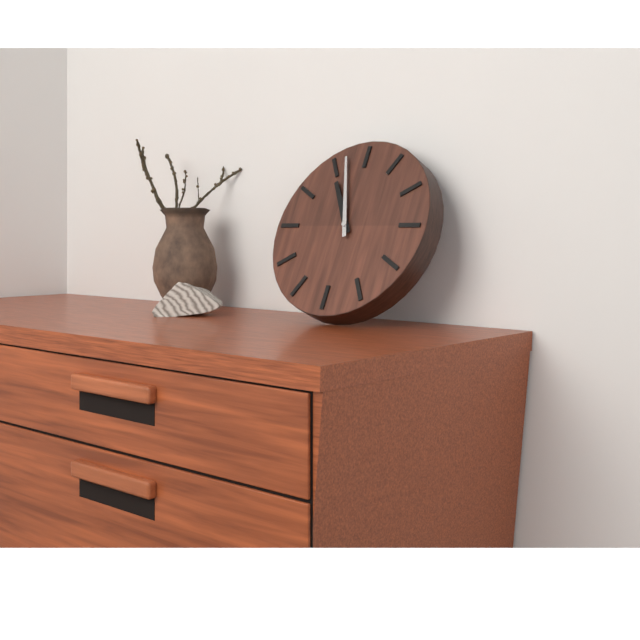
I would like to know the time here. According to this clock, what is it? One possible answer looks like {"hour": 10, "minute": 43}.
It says {"hour": 10, "minute": 57}
